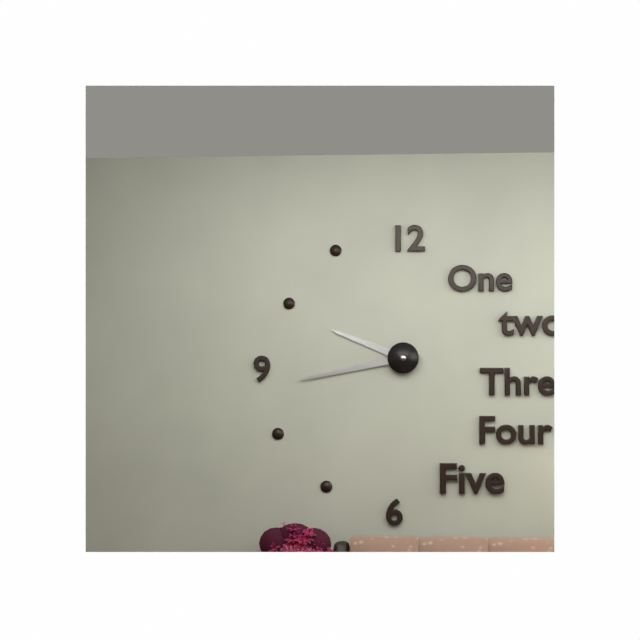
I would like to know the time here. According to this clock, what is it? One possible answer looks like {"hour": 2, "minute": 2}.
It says {"hour": 9, "minute": 43}
